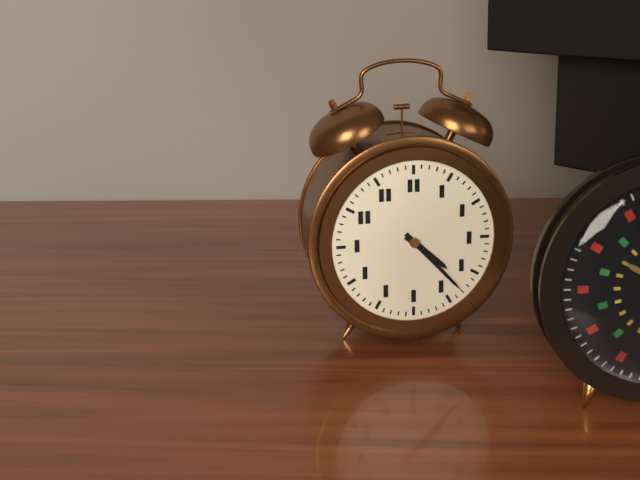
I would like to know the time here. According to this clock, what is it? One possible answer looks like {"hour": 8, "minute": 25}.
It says {"hour": 4, "minute": 23}
